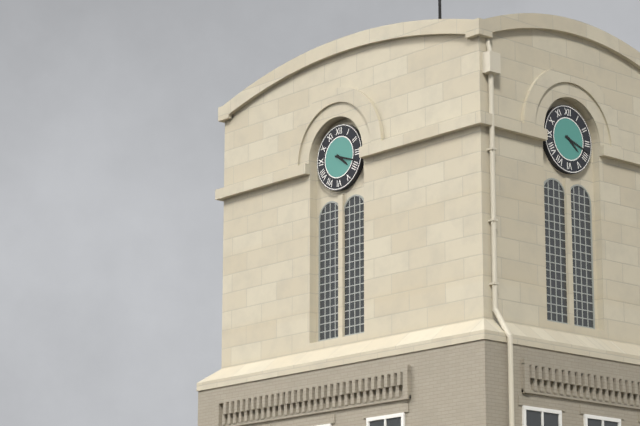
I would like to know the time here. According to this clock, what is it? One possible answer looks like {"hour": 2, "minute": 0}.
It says {"hour": 4, "minute": 18}
